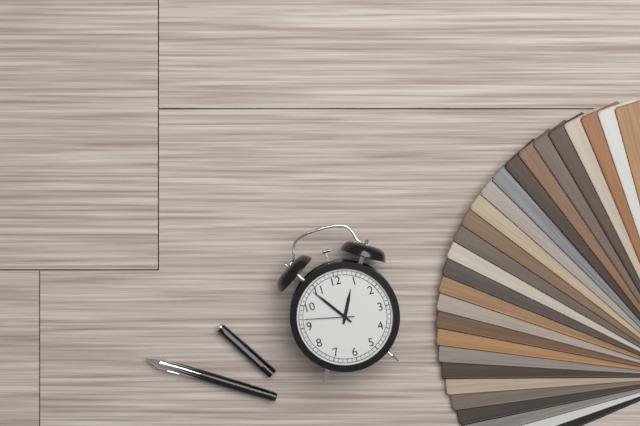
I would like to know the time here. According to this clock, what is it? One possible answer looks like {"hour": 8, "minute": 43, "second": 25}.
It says {"hour": 12, "minute": 54, "second": 47}
